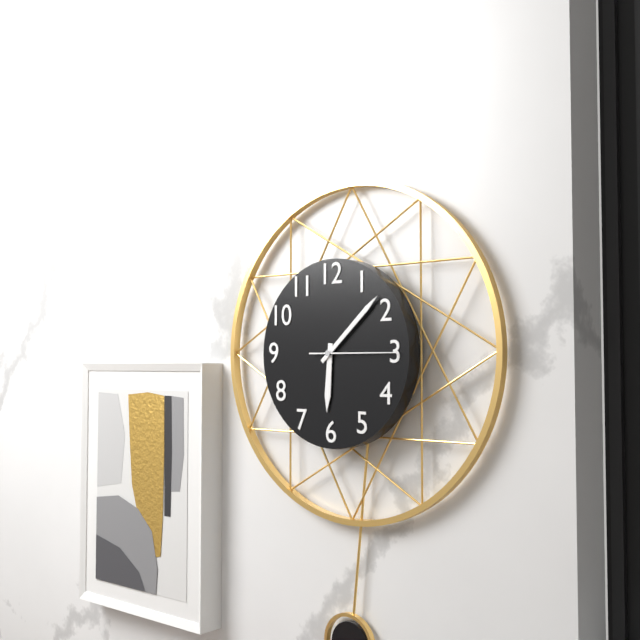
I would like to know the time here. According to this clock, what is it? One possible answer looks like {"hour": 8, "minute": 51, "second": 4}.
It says {"hour": 6, "minute": 8, "second": 15}
